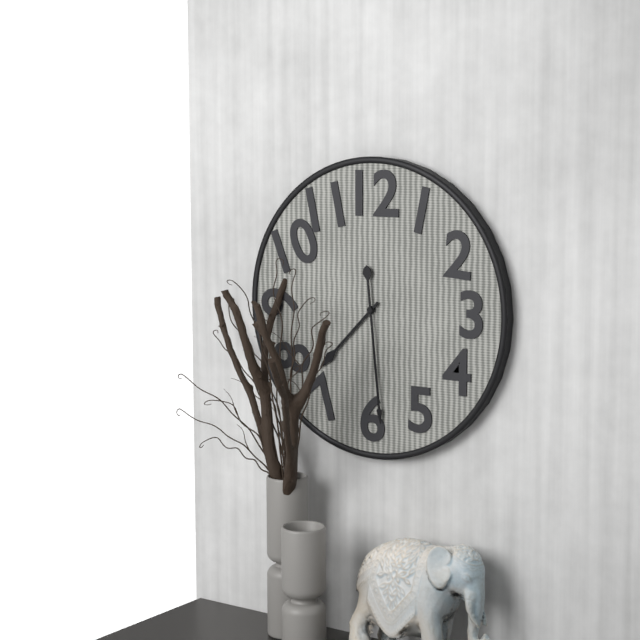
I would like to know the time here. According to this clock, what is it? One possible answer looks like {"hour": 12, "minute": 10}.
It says {"hour": 7, "minute": 29}
